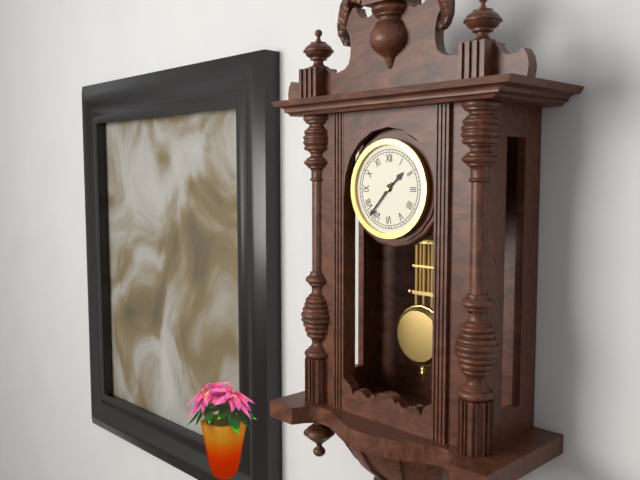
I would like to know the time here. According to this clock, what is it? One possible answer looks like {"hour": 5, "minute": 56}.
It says {"hour": 1, "minute": 37}
